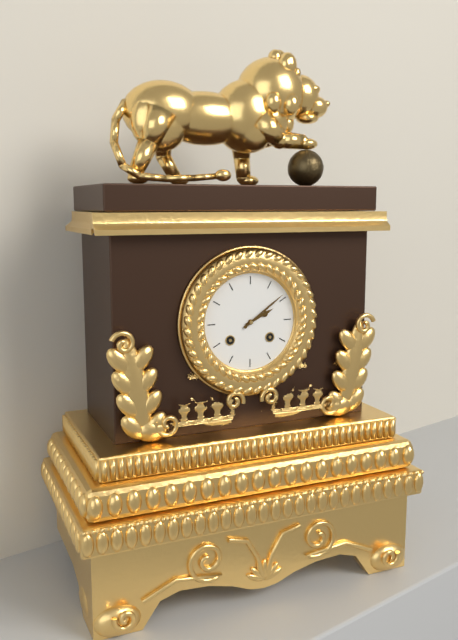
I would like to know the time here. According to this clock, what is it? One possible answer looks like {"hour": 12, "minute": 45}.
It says {"hour": 2, "minute": 9}
